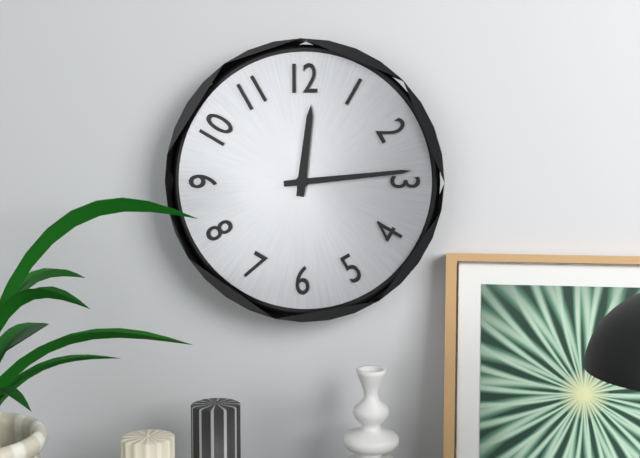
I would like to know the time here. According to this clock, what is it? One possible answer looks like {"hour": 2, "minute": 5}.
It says {"hour": 12, "minute": 14}
